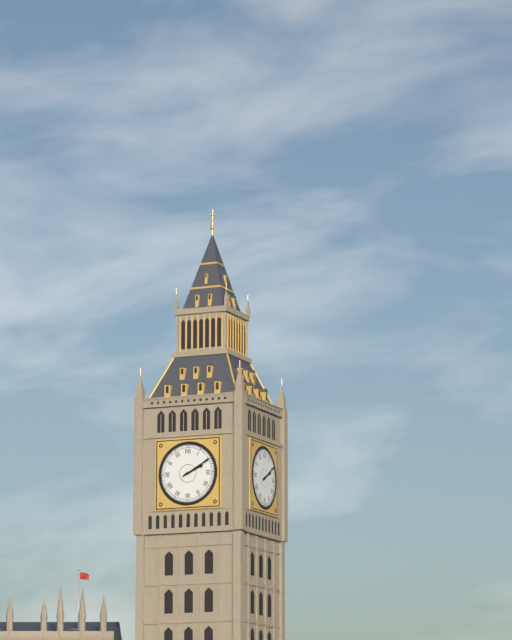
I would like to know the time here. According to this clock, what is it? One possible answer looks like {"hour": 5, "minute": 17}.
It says {"hour": 2, "minute": 10}
